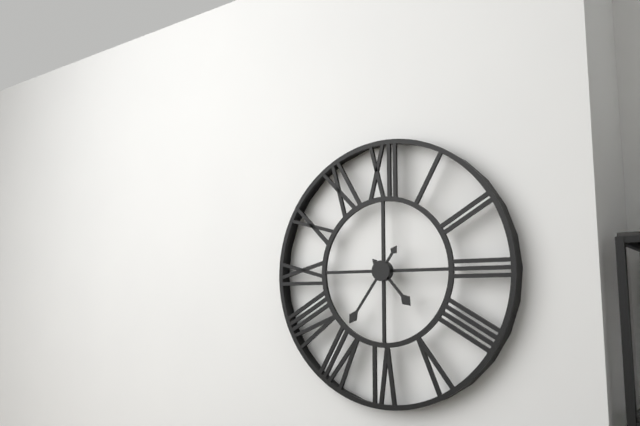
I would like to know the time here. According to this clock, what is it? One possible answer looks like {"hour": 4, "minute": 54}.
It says {"hour": 4, "minute": 36}
